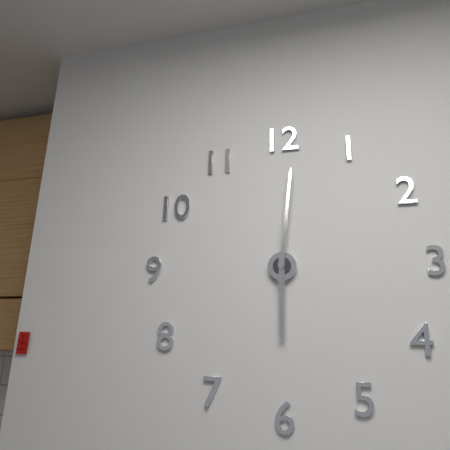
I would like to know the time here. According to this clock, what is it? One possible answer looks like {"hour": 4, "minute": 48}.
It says {"hour": 6, "minute": 1}
